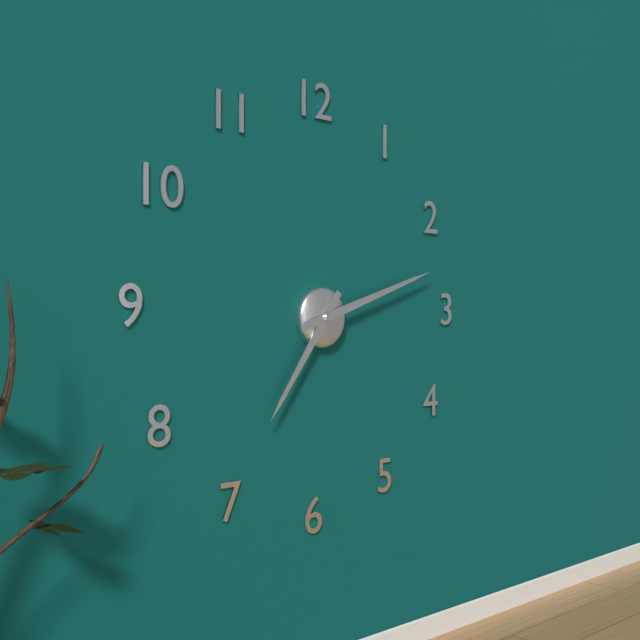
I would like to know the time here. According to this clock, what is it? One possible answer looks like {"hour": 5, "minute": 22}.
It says {"hour": 7, "minute": 12}
